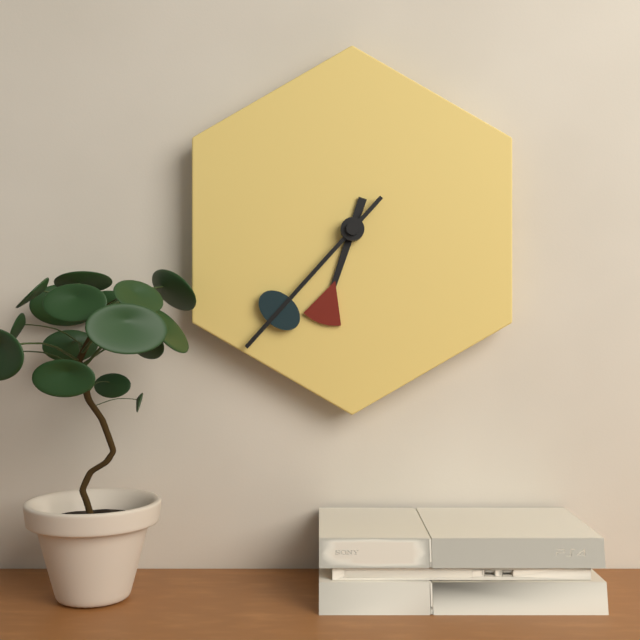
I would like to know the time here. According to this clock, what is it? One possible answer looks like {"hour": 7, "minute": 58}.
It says {"hour": 6, "minute": 37}
